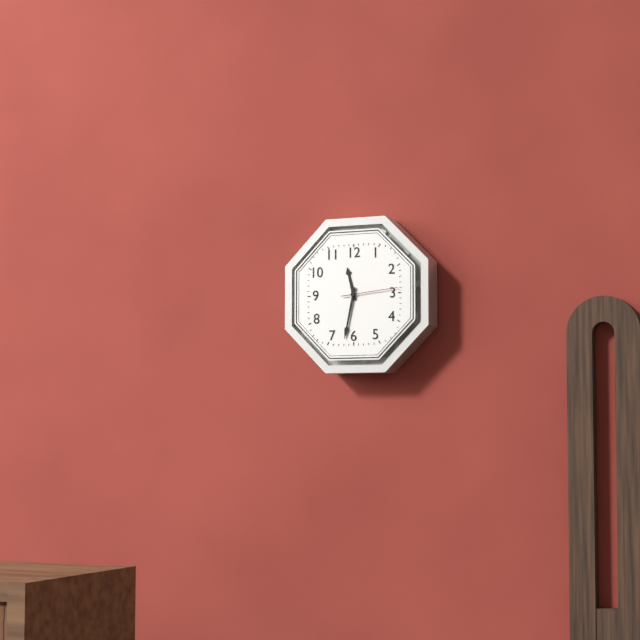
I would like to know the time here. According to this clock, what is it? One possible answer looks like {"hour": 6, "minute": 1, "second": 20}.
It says {"hour": 11, "minute": 32, "second": 14}
